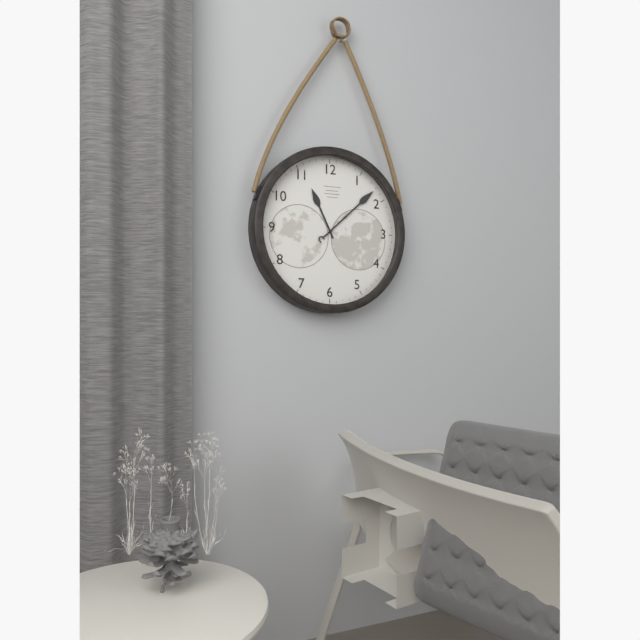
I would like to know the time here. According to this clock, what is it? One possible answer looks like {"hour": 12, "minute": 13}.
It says {"hour": 11, "minute": 8}
